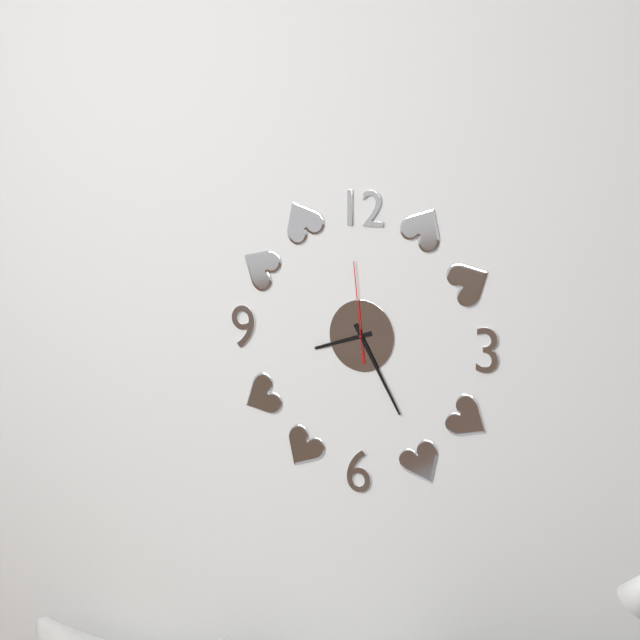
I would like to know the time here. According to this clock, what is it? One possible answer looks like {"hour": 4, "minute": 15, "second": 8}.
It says {"hour": 8, "minute": 25, "second": 59}
